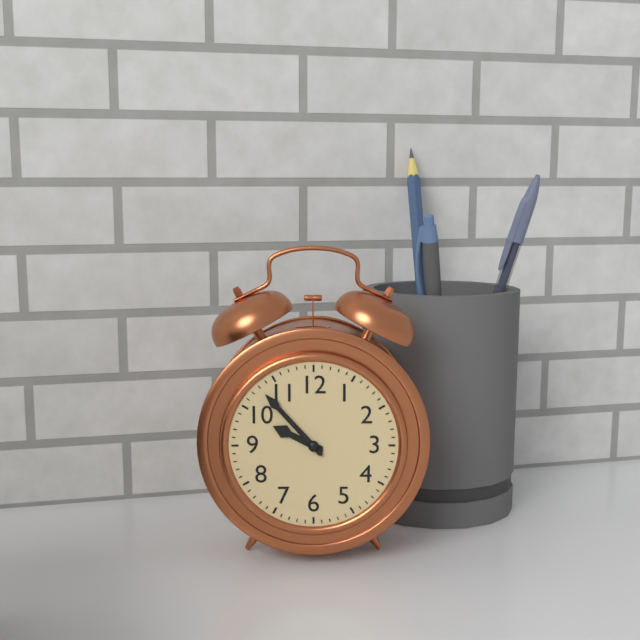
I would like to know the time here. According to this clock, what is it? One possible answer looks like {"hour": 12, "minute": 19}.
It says {"hour": 9, "minute": 53}
